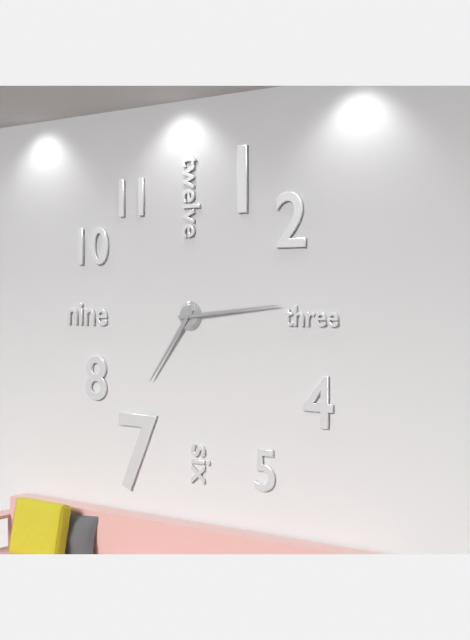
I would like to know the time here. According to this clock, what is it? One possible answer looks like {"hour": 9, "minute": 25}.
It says {"hour": 7, "minute": 14}
